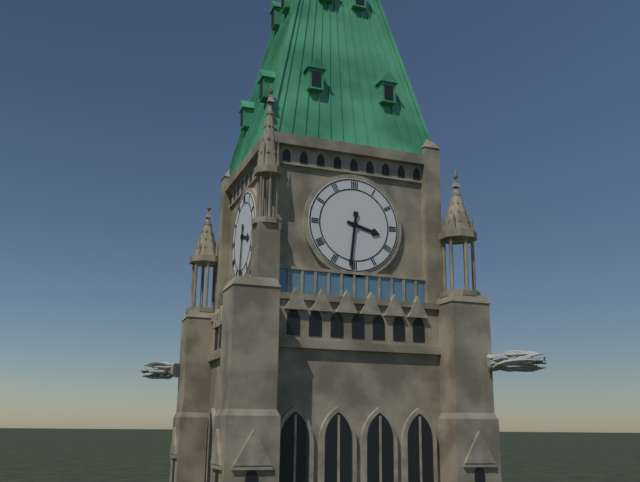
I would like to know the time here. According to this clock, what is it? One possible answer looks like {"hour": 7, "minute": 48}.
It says {"hour": 3, "minute": 31}
